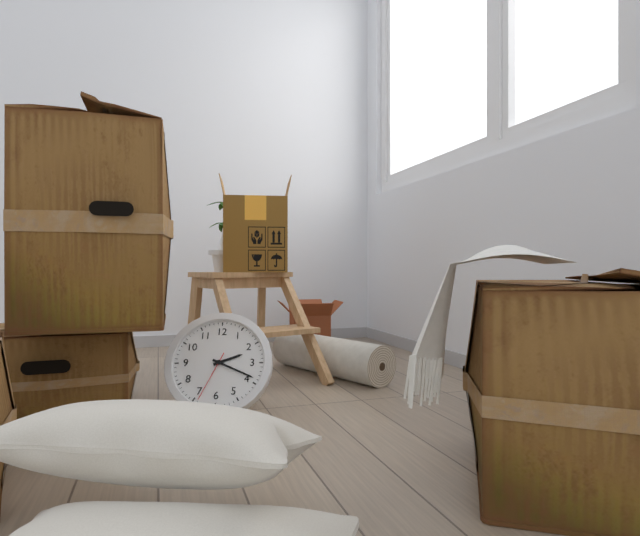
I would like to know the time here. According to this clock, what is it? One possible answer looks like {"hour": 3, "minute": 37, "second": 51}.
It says {"hour": 2, "minute": 19, "second": 34}
